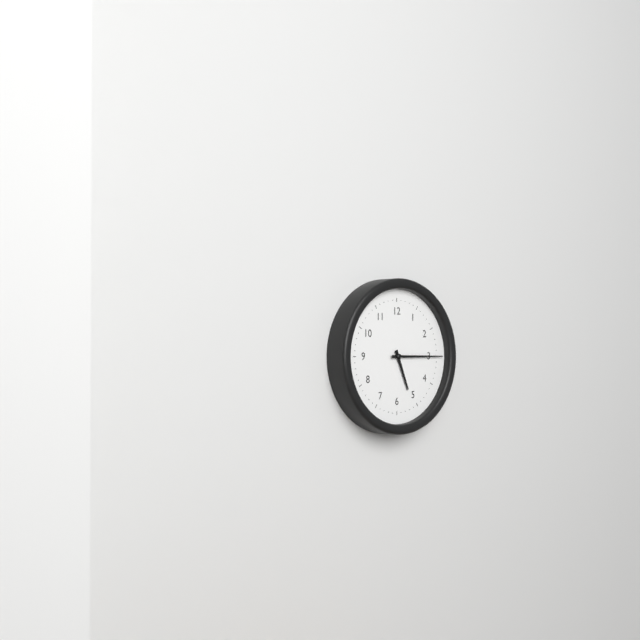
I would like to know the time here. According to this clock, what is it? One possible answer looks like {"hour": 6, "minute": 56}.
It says {"hour": 5, "minute": 15}
